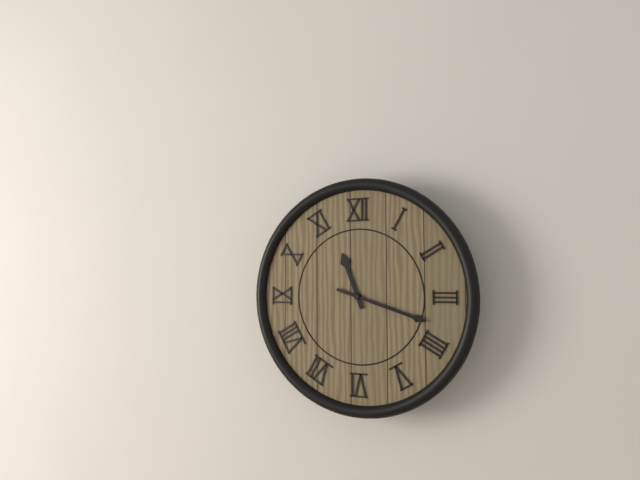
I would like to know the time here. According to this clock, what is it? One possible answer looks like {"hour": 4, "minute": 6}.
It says {"hour": 11, "minute": 18}
